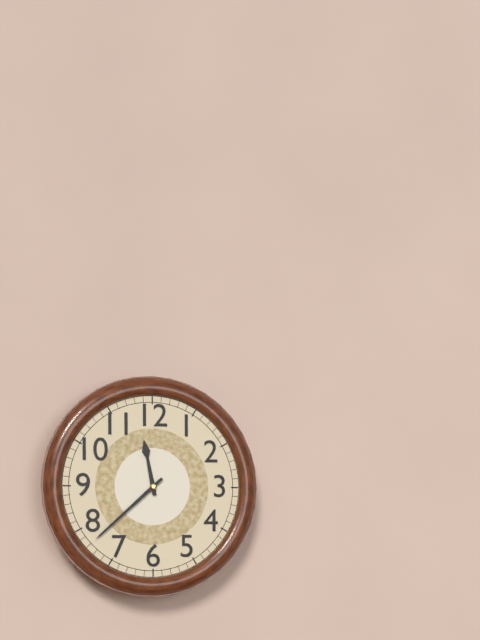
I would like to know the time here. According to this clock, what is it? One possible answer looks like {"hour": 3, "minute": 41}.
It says {"hour": 11, "minute": 38}
